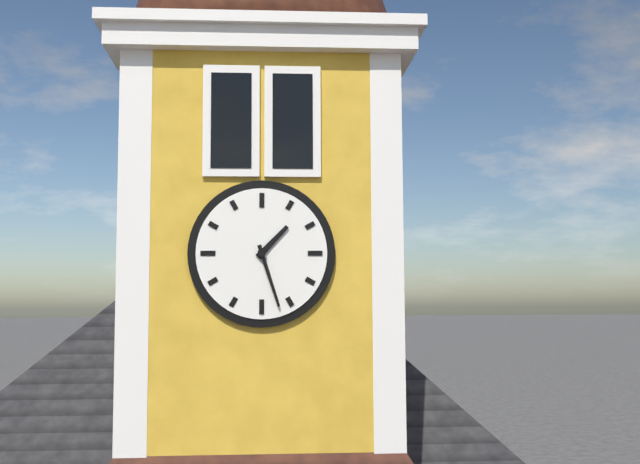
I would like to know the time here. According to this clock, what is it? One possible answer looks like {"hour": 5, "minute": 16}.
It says {"hour": 1, "minute": 27}
